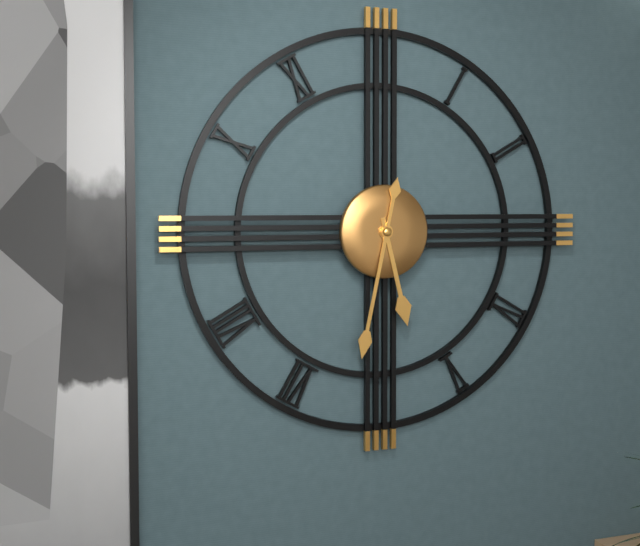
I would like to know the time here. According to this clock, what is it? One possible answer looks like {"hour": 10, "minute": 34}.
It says {"hour": 5, "minute": 32}
